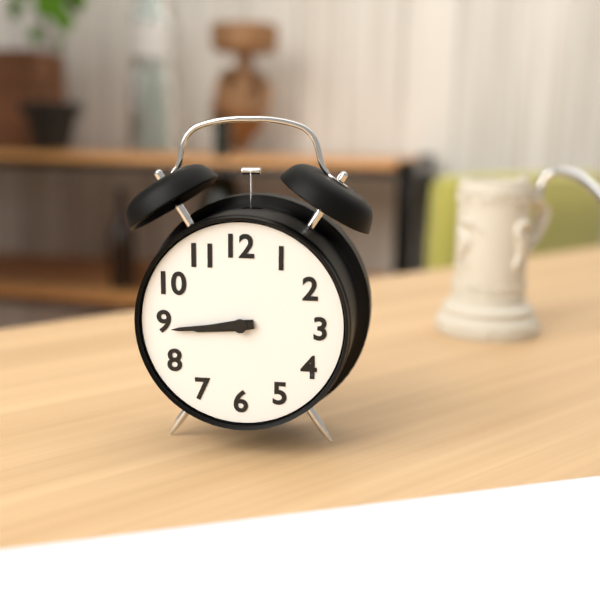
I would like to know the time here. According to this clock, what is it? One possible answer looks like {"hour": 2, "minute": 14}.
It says {"hour": 8, "minute": 44}
